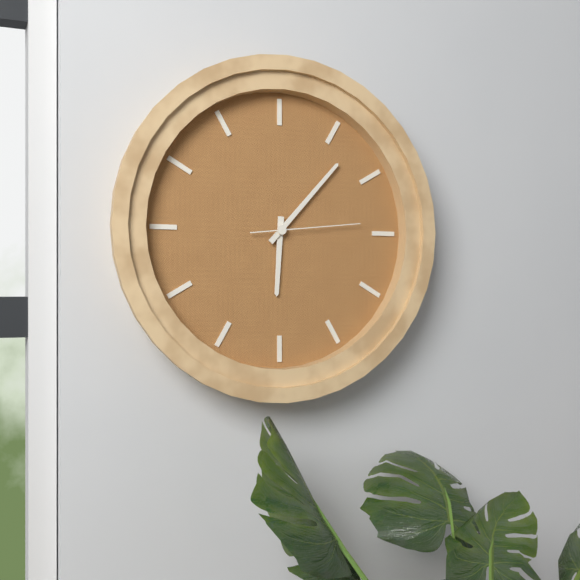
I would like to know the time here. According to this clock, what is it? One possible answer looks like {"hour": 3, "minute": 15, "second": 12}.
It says {"hour": 6, "minute": 7, "second": 14}
